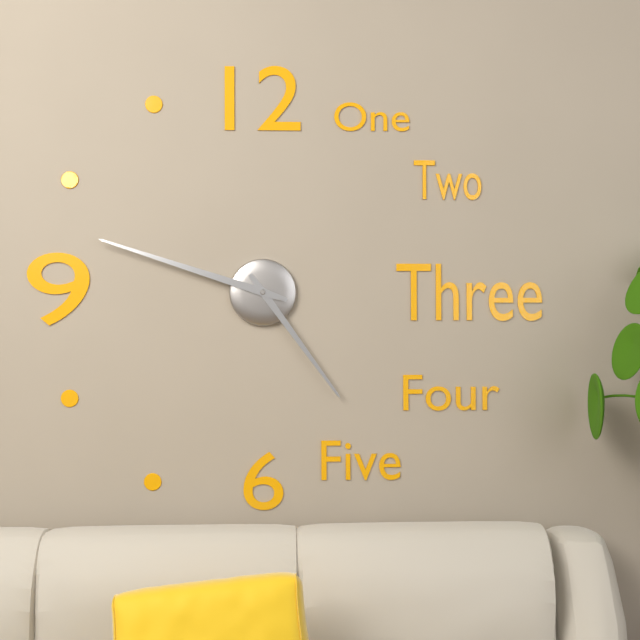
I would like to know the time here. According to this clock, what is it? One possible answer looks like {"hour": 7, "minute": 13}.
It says {"hour": 4, "minute": 48}
